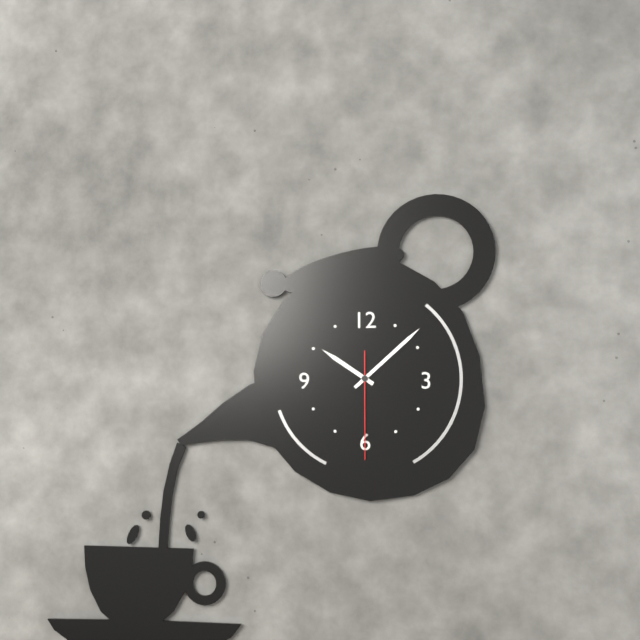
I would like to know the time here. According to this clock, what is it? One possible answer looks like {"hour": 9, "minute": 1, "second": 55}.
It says {"hour": 10, "minute": 8, "second": 30}
